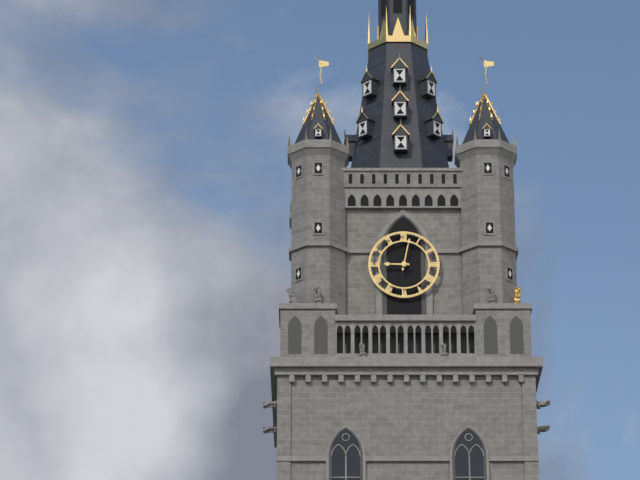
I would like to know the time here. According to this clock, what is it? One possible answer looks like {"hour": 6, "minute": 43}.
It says {"hour": 9, "minute": 2}
